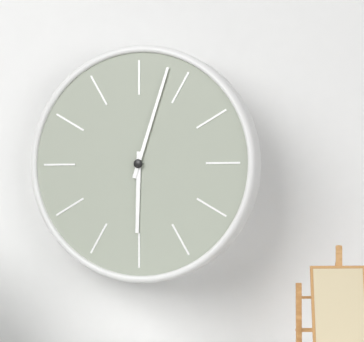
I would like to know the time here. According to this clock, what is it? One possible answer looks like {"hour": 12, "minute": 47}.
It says {"hour": 6, "minute": 3}
